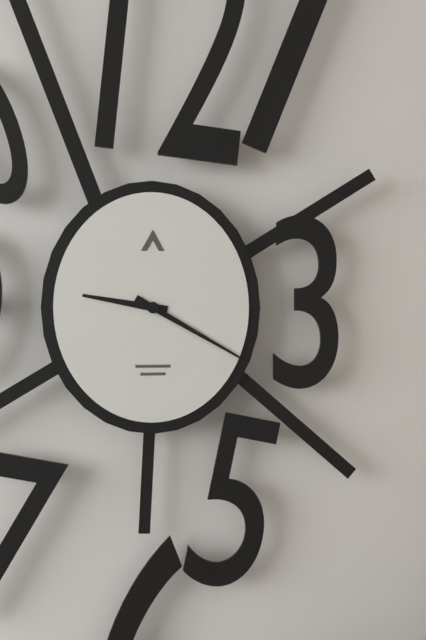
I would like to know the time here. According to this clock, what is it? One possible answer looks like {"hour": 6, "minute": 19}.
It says {"hour": 9, "minute": 20}
